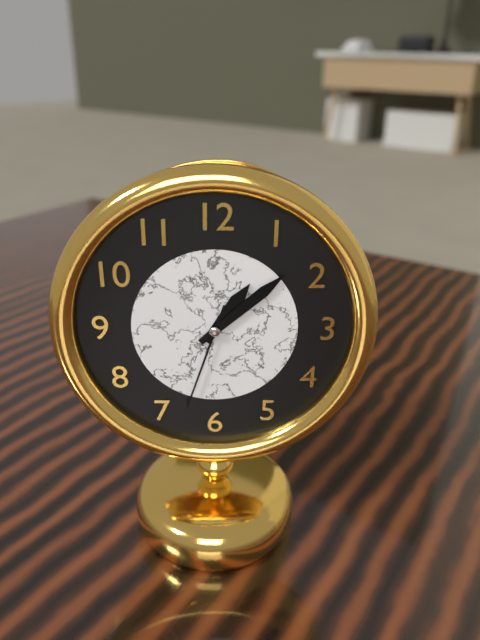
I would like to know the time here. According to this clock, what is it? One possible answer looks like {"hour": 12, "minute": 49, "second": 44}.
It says {"hour": 1, "minute": 8, "second": 33}
